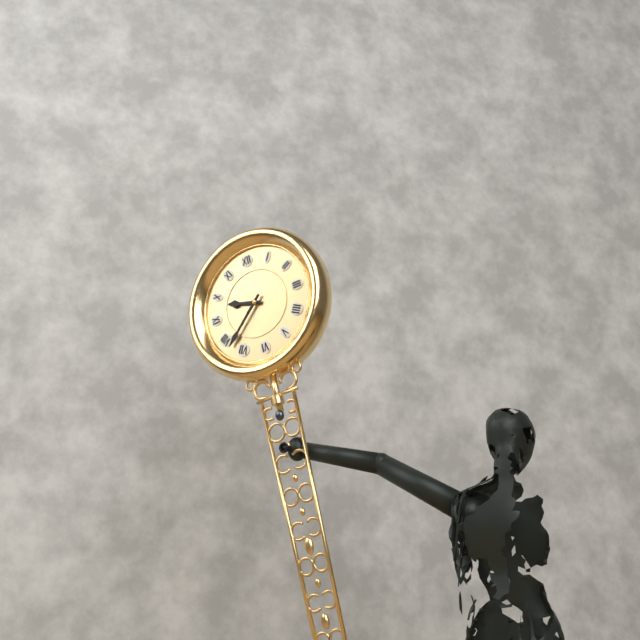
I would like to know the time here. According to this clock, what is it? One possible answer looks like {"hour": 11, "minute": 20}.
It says {"hour": 9, "minute": 38}
